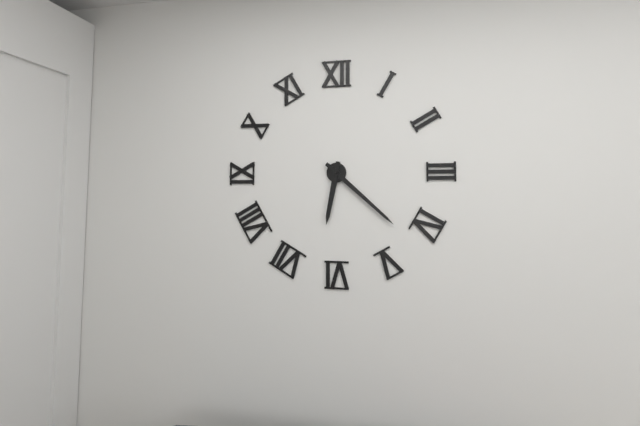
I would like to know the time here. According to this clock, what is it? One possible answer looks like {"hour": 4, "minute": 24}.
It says {"hour": 6, "minute": 22}
